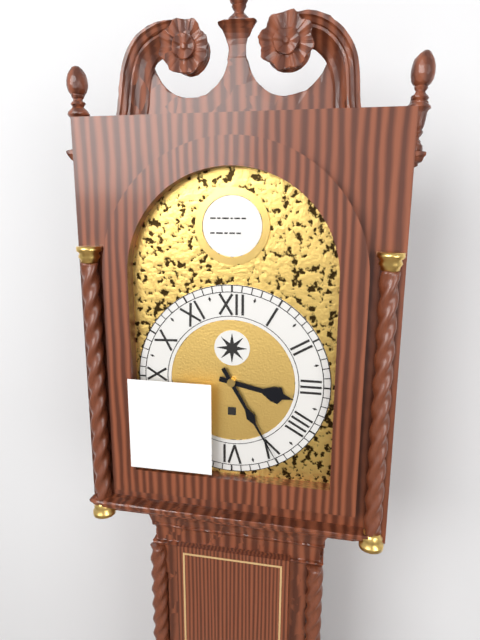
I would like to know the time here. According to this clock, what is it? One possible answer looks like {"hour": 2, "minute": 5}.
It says {"hour": 3, "minute": 25}
